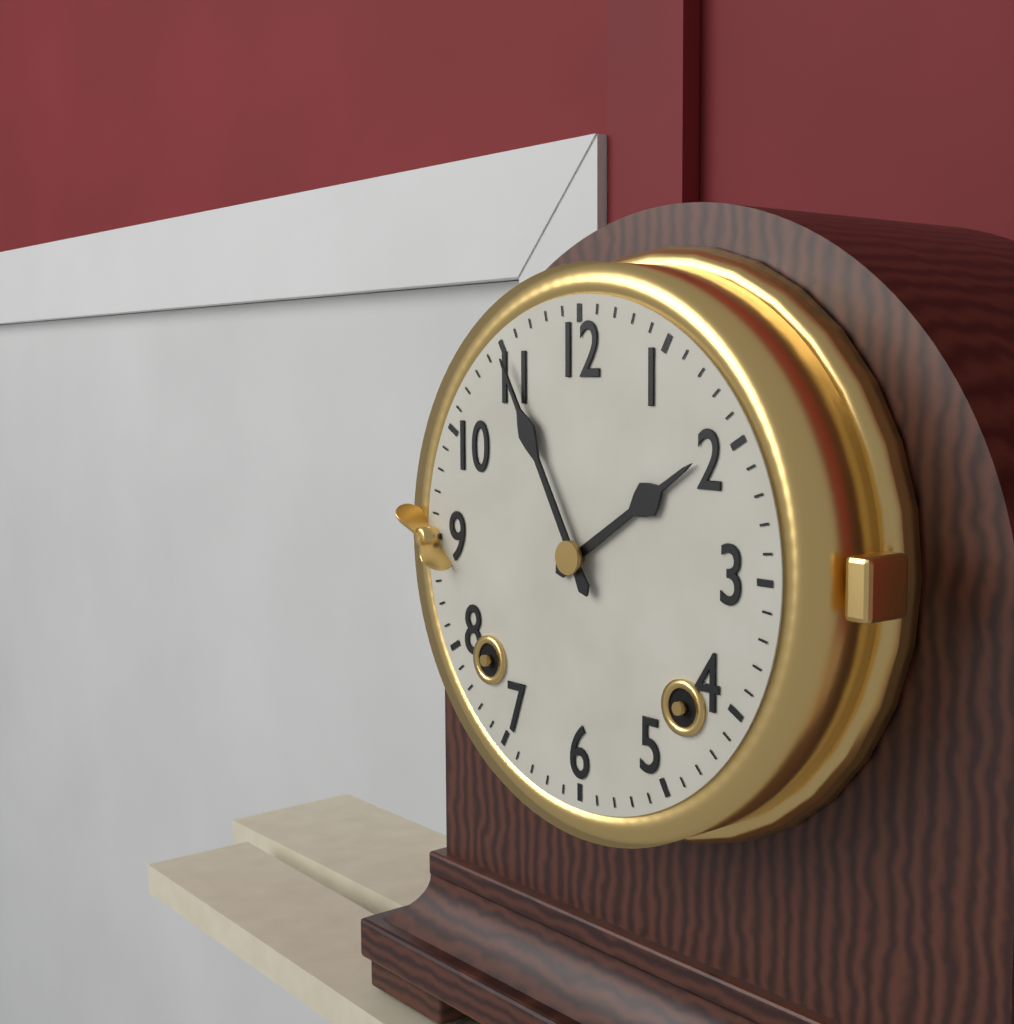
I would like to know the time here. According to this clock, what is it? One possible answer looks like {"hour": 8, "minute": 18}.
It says {"hour": 1, "minute": 55}
